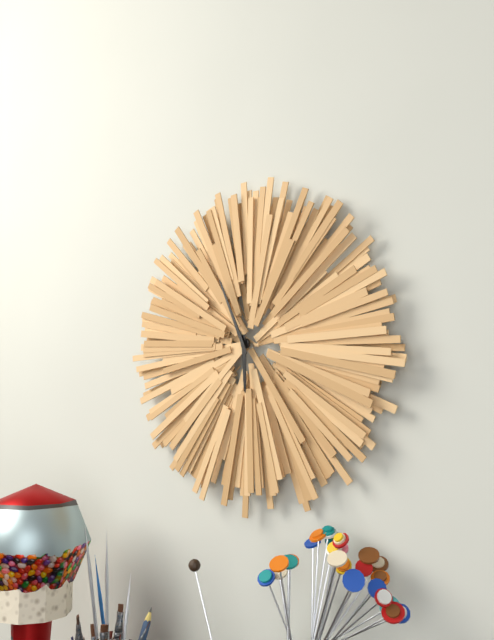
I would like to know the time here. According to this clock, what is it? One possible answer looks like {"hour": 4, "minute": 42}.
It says {"hour": 5, "minute": 56}
